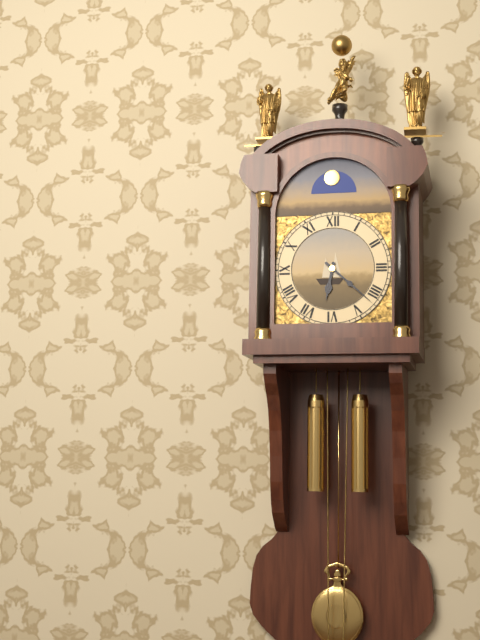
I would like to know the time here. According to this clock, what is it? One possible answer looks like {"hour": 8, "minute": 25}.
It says {"hour": 6, "minute": 22}
